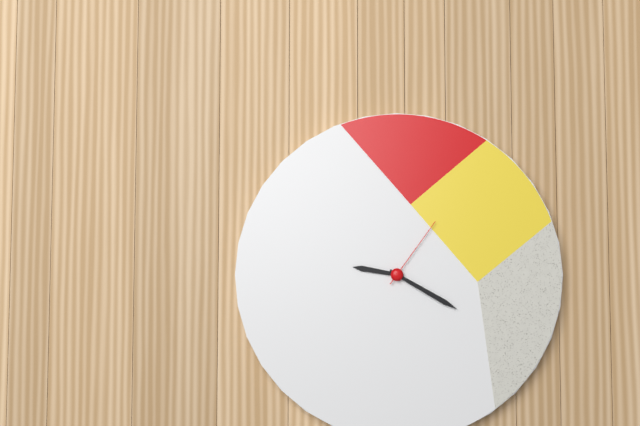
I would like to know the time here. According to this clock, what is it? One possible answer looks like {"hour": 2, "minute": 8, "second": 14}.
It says {"hour": 9, "minute": 20, "second": 6}
